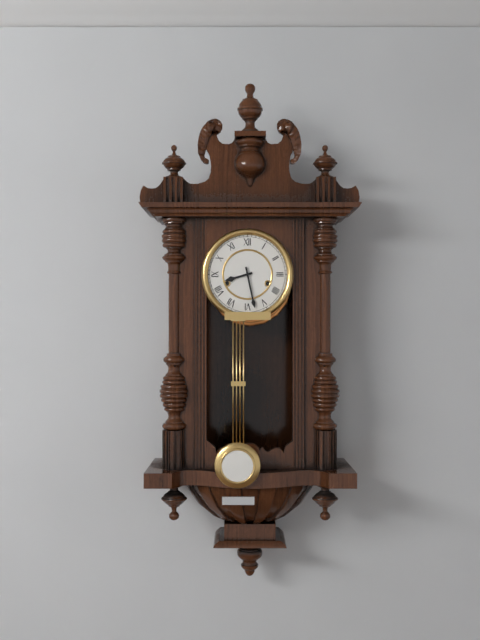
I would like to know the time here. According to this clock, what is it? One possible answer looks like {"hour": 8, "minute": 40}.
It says {"hour": 8, "minute": 28}
